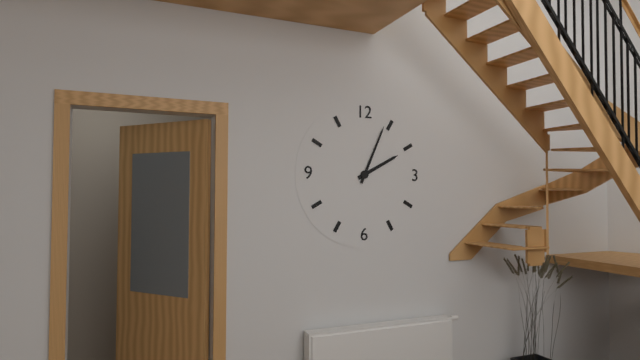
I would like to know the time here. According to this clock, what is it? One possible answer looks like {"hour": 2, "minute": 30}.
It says {"hour": 2, "minute": 4}
